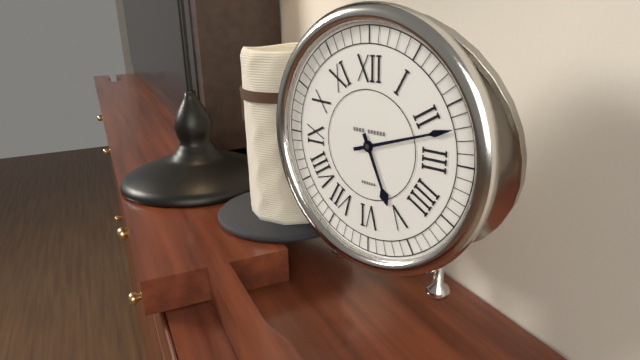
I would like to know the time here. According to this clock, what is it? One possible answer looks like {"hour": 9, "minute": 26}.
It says {"hour": 5, "minute": 12}
